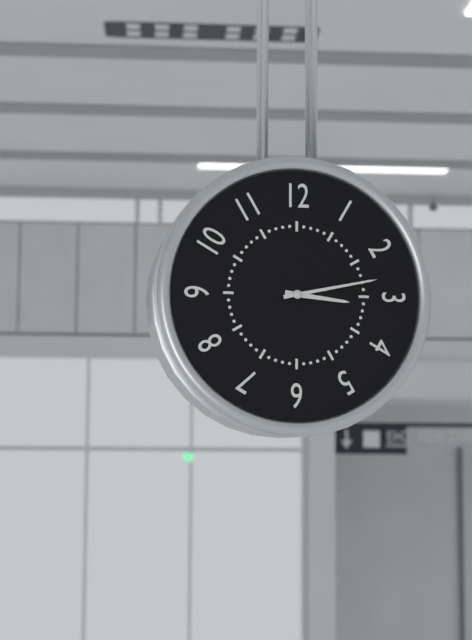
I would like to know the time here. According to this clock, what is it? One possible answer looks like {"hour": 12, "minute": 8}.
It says {"hour": 3, "minute": 13}
